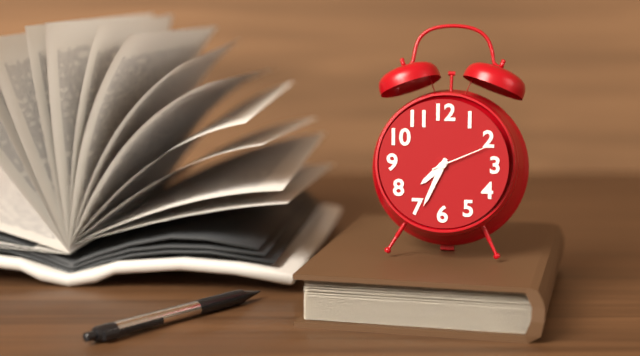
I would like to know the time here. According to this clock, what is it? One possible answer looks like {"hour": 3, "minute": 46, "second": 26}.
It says {"hour": 7, "minute": 34, "second": 11}
